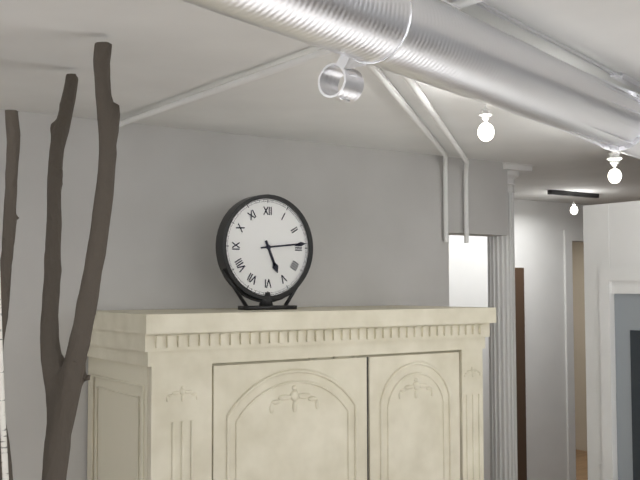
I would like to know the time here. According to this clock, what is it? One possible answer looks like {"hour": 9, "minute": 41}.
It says {"hour": 5, "minute": 14}
